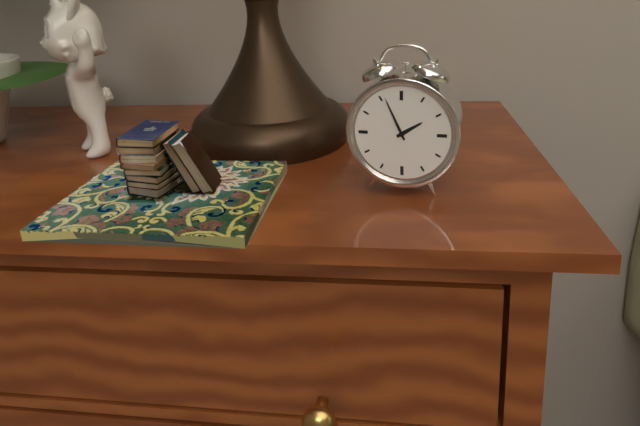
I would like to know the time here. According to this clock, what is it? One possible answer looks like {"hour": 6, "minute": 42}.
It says {"hour": 1, "minute": 56}
